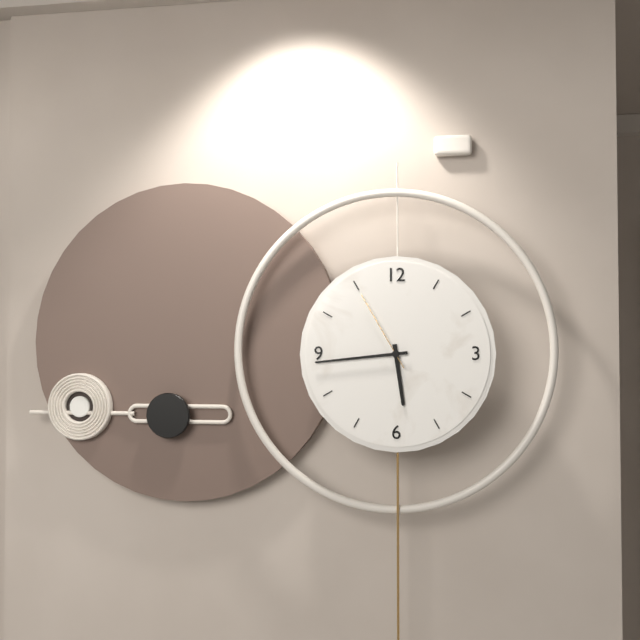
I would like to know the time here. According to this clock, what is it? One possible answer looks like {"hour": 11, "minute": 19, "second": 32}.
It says {"hour": 5, "minute": 44, "second": 55}
